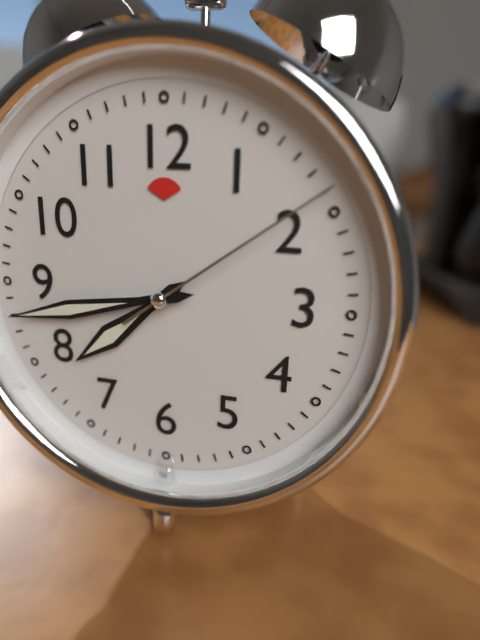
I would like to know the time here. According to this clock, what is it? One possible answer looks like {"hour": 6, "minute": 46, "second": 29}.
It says {"hour": 7, "minute": 43, "second": 9}
